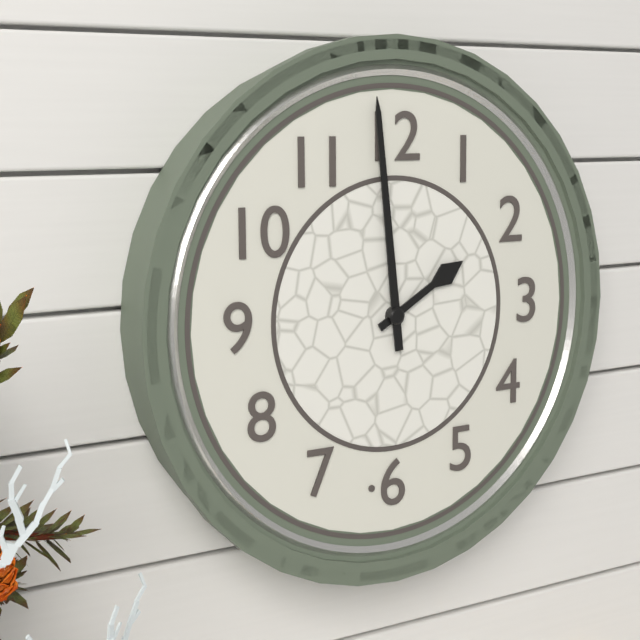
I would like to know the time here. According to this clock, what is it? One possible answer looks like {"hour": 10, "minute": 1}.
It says {"hour": 1, "minute": 59}
